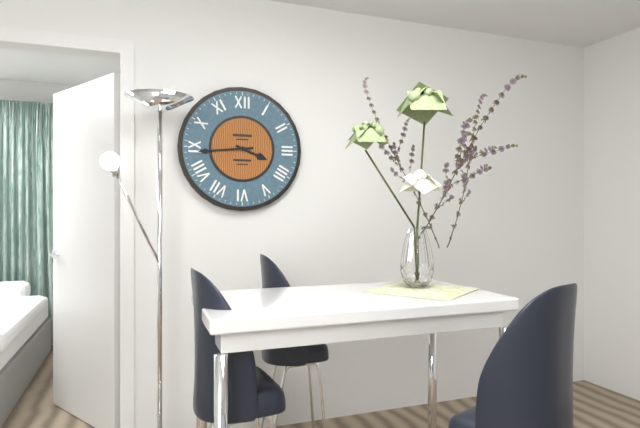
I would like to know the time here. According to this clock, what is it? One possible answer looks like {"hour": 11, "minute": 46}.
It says {"hour": 3, "minute": 44}
